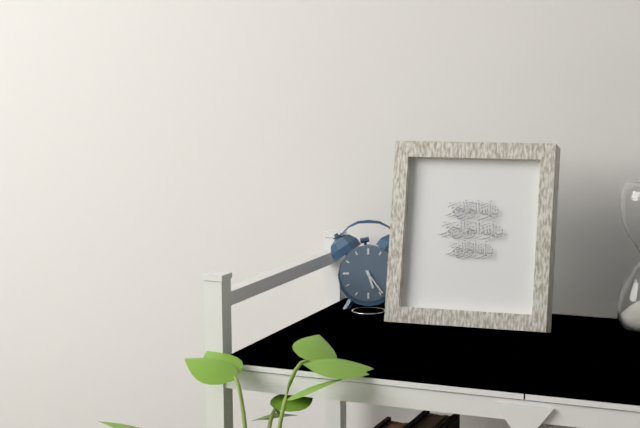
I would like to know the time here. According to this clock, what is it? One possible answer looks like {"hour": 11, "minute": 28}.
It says {"hour": 5, "minute": 24}
